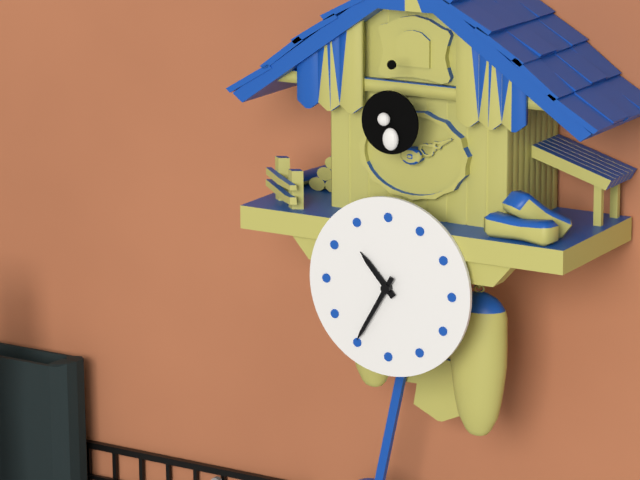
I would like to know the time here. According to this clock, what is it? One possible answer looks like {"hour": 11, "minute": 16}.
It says {"hour": 10, "minute": 35}
